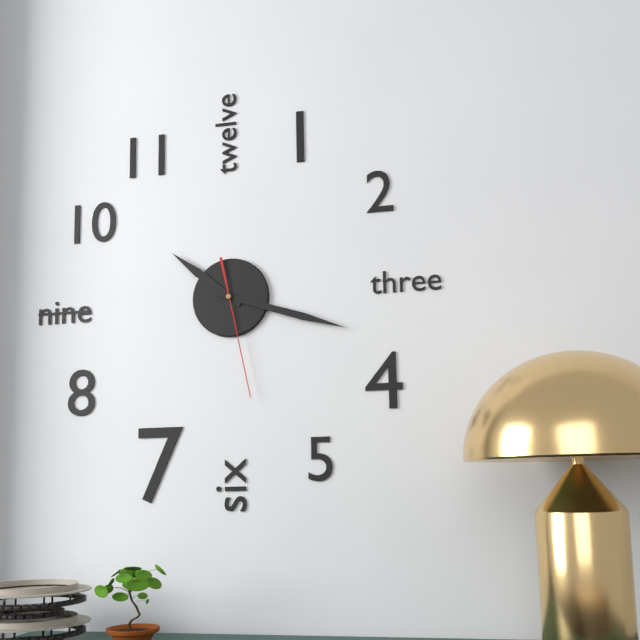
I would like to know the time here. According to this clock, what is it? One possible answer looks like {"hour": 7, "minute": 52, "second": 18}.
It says {"hour": 10, "minute": 18, "second": 28}
